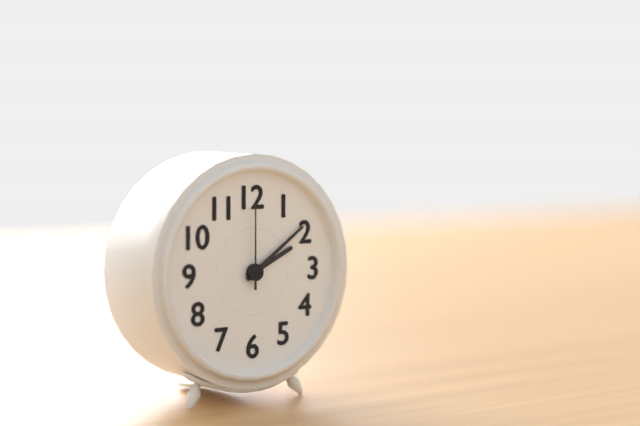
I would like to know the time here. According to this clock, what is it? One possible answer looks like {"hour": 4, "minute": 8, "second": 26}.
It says {"hour": 2, "minute": 9, "second": 0}
